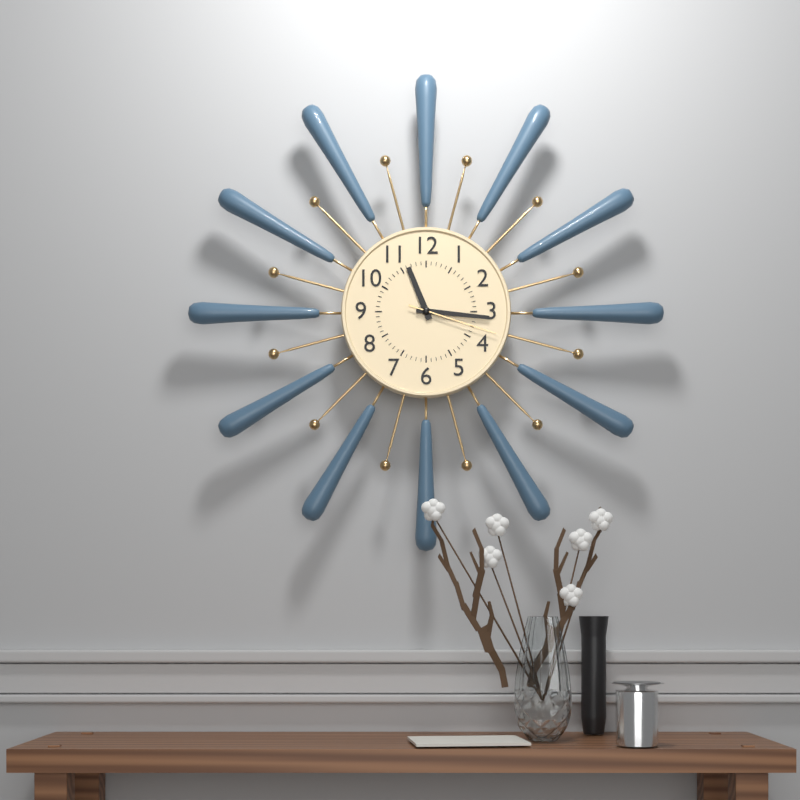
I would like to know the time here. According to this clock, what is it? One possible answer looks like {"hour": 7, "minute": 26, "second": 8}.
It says {"hour": 11, "minute": 16, "second": 18}
